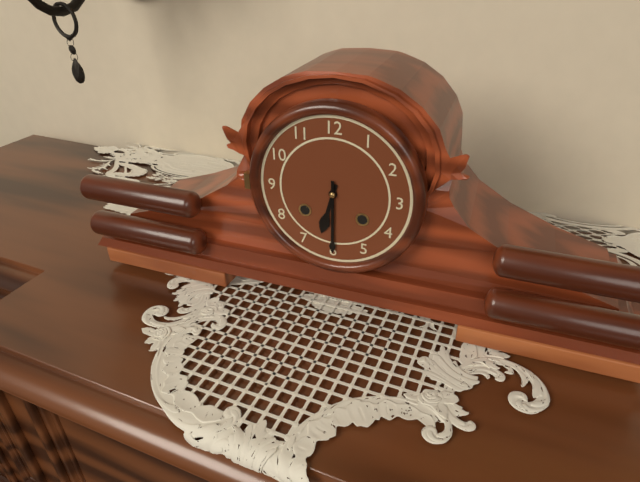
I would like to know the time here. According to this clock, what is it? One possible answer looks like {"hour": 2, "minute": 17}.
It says {"hour": 6, "minute": 30}
